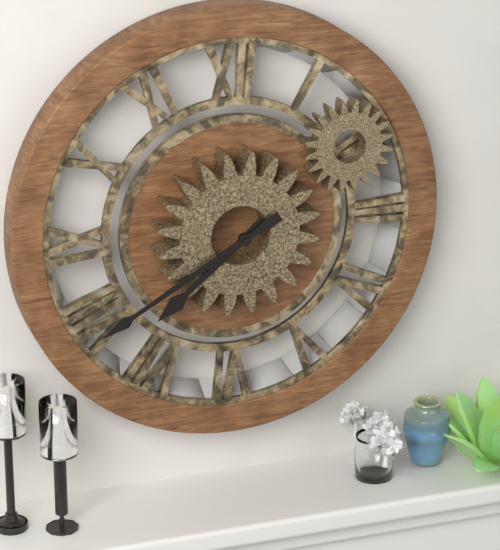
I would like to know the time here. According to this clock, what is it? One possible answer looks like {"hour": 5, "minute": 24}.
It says {"hour": 7, "minute": 40}
